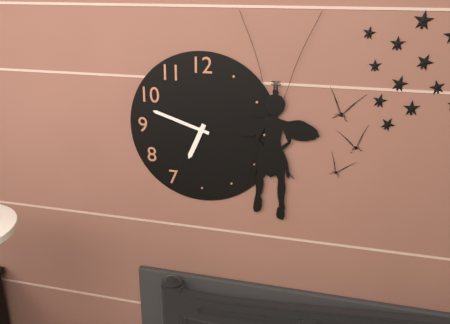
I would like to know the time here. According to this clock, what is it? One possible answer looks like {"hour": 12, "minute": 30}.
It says {"hour": 6, "minute": 48}
